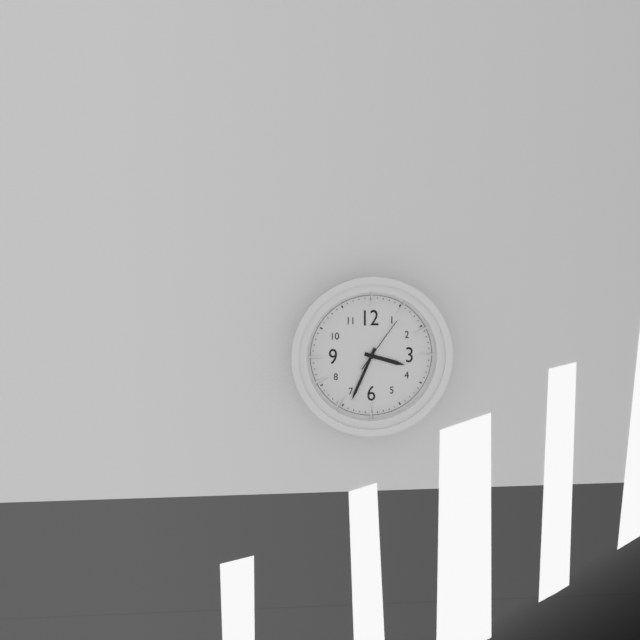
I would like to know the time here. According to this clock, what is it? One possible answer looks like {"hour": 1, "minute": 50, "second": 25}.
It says {"hour": 3, "minute": 34, "second": 6}
